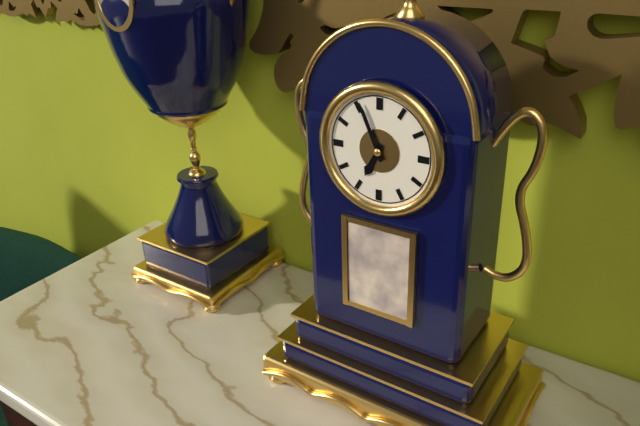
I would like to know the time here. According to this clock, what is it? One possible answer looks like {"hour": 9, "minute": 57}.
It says {"hour": 6, "minute": 56}
